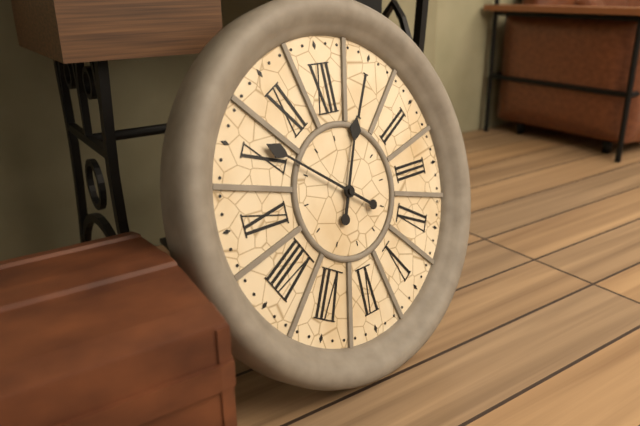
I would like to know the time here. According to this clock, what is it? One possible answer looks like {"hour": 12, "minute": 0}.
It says {"hour": 12, "minute": 51}
